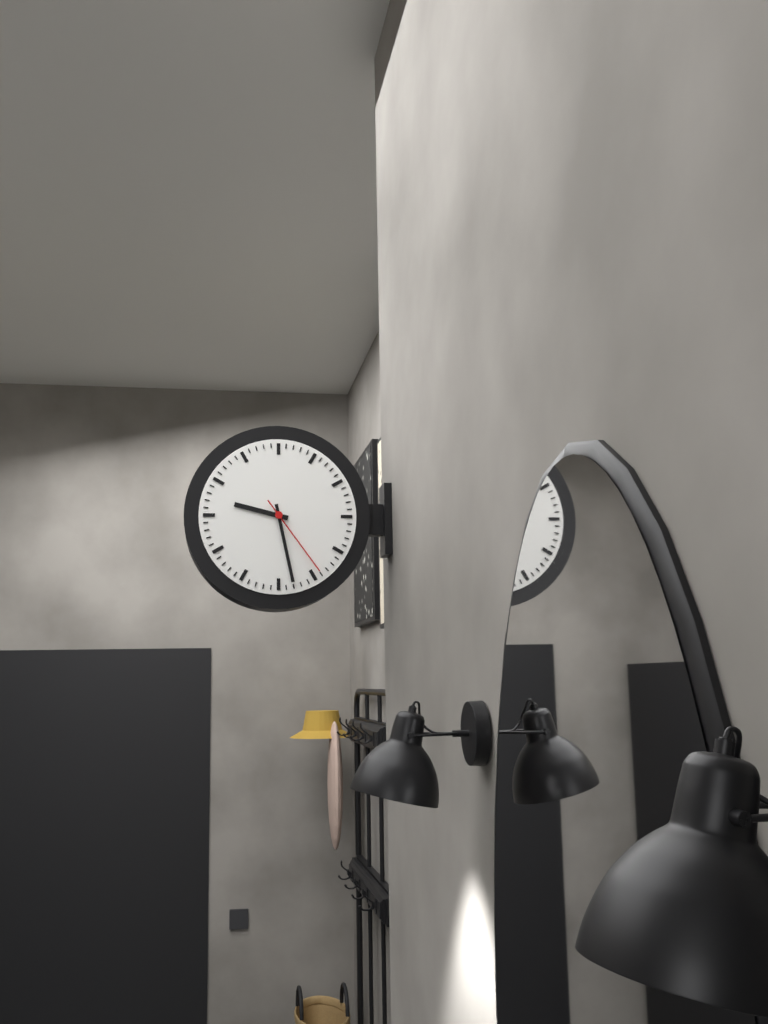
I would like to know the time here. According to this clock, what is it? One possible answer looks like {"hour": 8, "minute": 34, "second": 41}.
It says {"hour": 9, "minute": 28, "second": 24}
